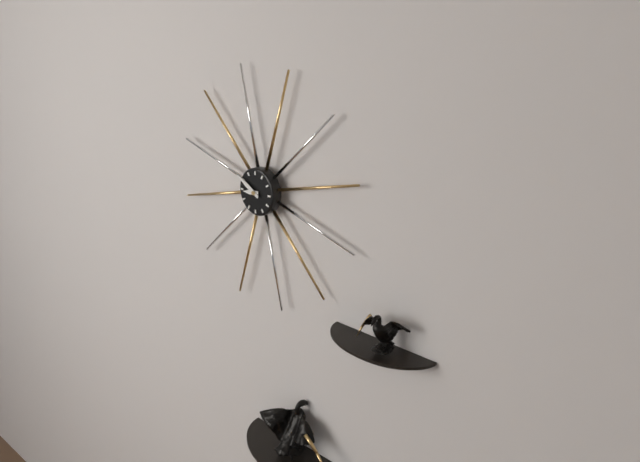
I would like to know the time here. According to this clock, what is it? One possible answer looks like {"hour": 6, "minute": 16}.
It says {"hour": 8, "minute": 50}
